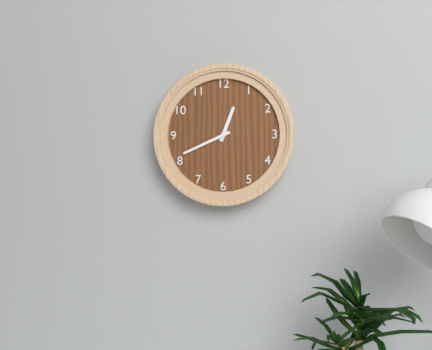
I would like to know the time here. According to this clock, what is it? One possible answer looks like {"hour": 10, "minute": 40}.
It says {"hour": 12, "minute": 41}
